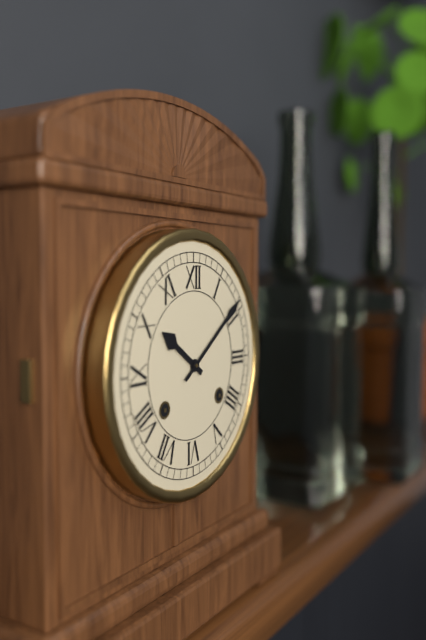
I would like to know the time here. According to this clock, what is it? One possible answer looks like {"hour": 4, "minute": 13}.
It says {"hour": 10, "minute": 9}
